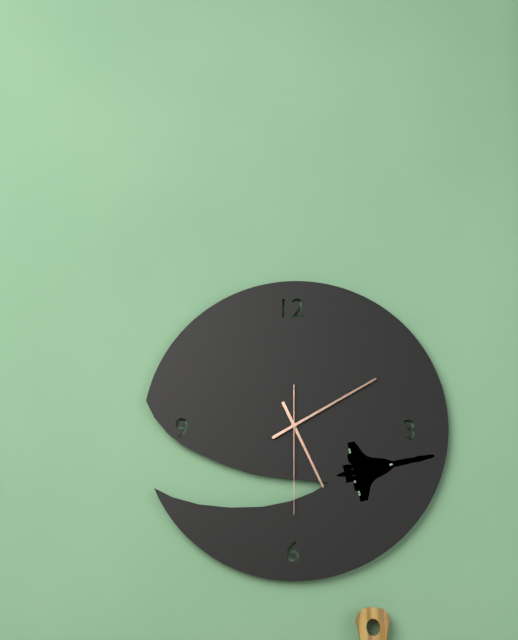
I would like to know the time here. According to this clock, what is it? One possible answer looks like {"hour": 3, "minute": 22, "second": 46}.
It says {"hour": 5, "minute": 10, "second": 30}
